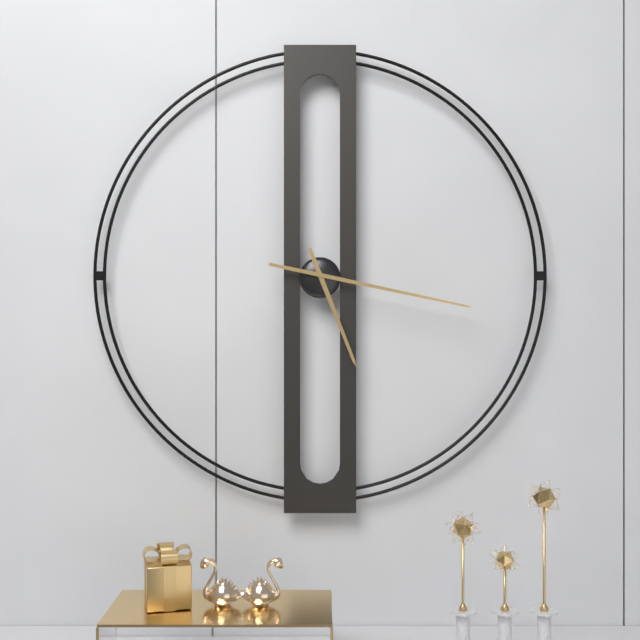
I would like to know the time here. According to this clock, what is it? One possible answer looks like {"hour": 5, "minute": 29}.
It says {"hour": 5, "minute": 17}
